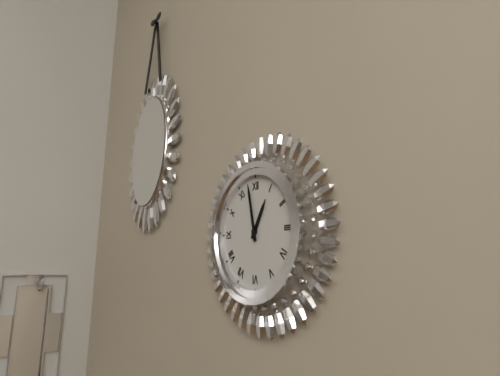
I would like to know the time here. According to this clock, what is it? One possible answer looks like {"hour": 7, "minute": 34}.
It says {"hour": 12, "minute": 58}
